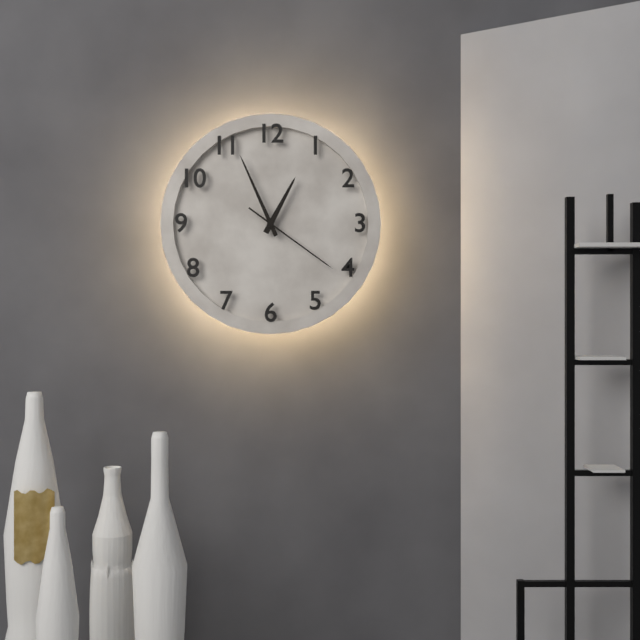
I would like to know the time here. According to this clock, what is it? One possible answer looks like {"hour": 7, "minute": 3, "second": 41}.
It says {"hour": 12, "minute": 56, "second": 21}
